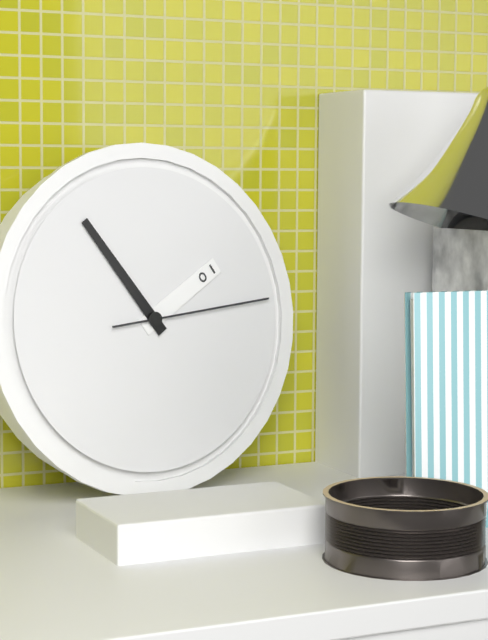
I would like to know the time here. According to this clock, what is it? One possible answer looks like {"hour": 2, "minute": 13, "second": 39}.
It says {"hour": 1, "minute": 54, "second": 14}
